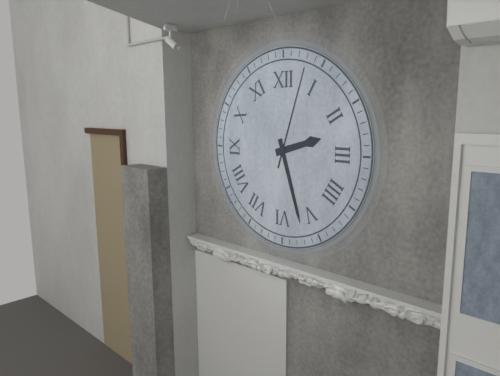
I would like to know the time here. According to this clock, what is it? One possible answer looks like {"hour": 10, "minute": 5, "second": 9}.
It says {"hour": 2, "minute": 27, "second": 3}
